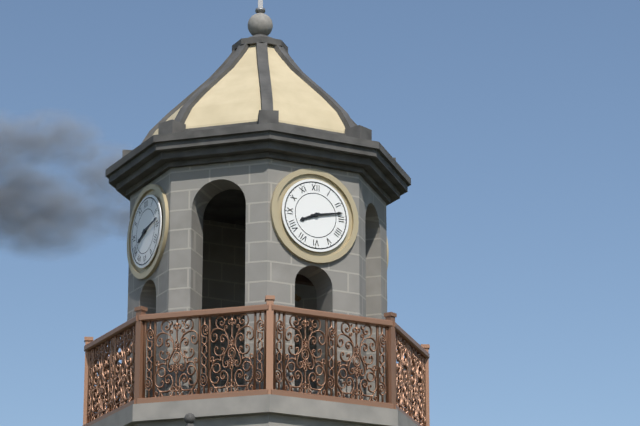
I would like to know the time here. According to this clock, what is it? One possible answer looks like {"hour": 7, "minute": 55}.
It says {"hour": 8, "minute": 13}
